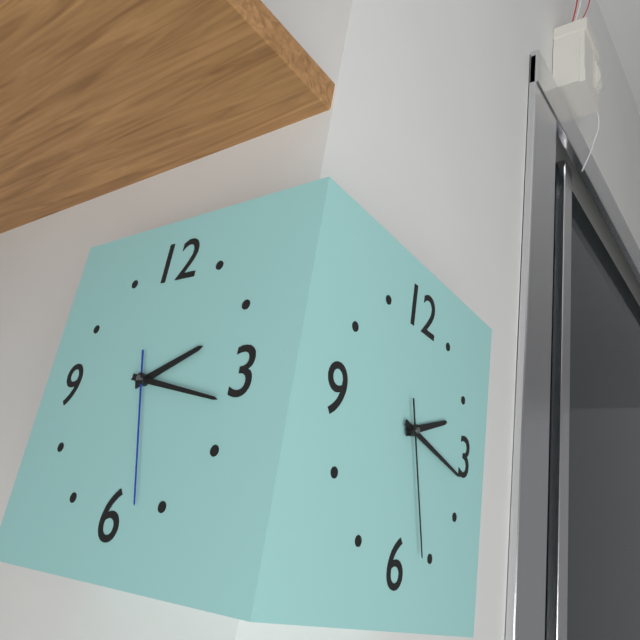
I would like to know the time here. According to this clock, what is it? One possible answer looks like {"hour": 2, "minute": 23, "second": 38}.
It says {"hour": 2, "minute": 17, "second": 27}
